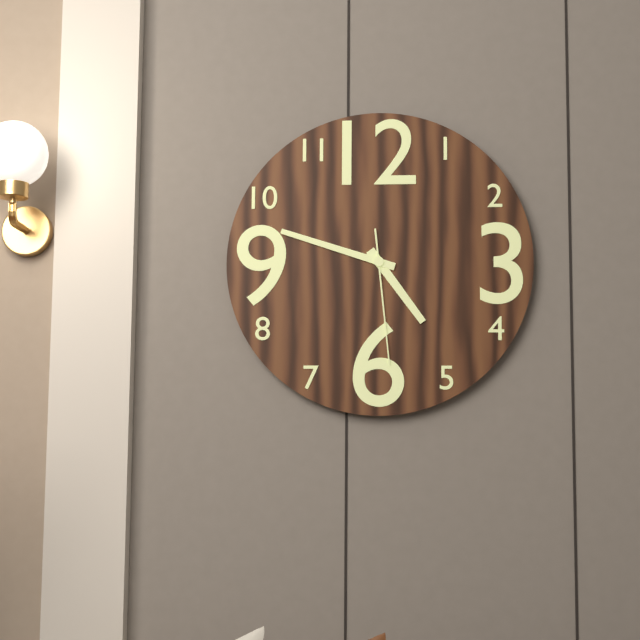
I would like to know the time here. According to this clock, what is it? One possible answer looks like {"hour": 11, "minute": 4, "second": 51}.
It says {"hour": 4, "minute": 48, "second": 29}
